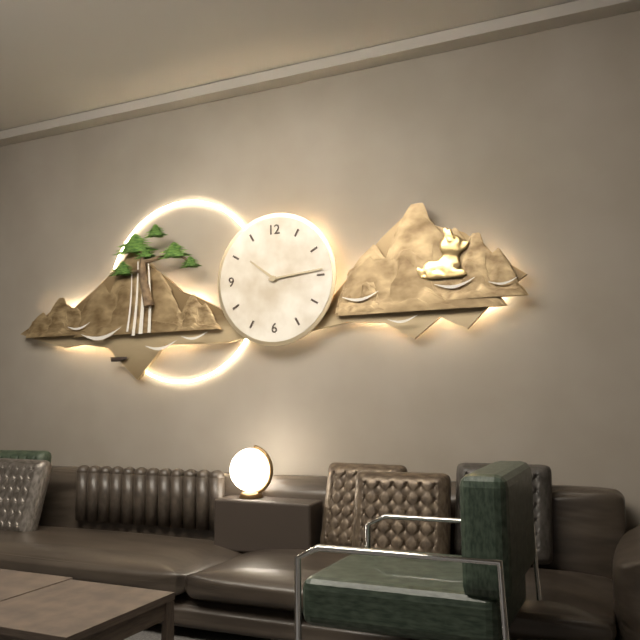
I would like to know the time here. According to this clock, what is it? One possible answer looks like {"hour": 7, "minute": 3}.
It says {"hour": 10, "minute": 14}
